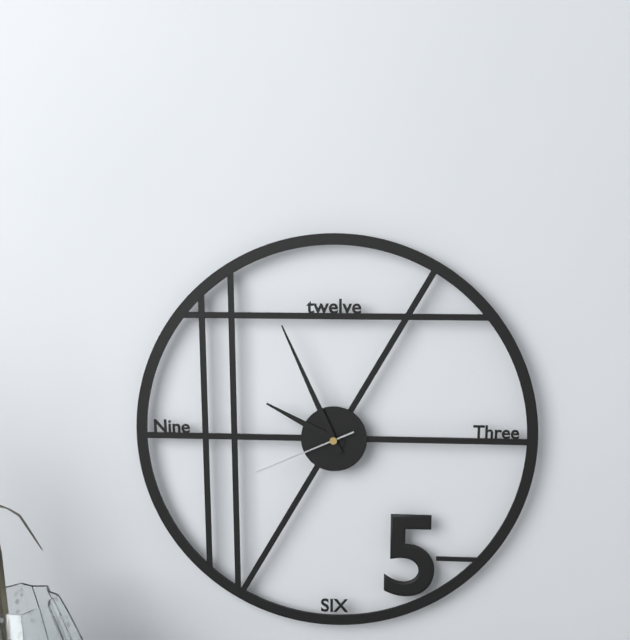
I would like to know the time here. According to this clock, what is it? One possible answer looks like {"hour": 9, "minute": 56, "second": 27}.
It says {"hour": 9, "minute": 56, "second": 41}
